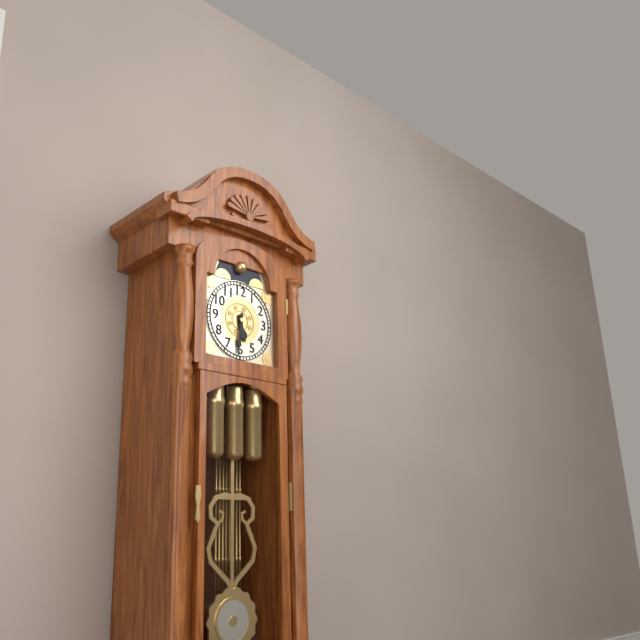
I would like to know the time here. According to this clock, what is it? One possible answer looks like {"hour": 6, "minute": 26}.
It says {"hour": 5, "minute": 31}
